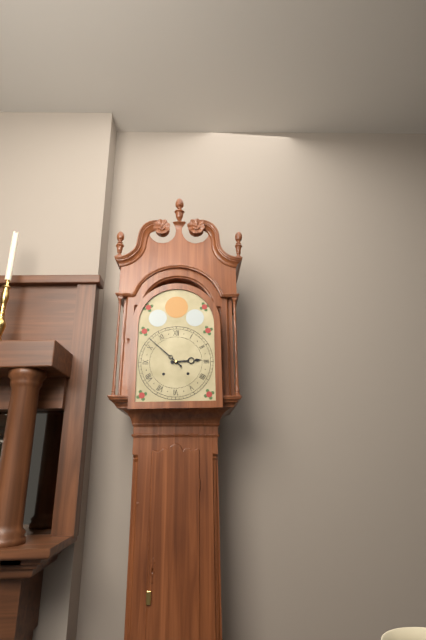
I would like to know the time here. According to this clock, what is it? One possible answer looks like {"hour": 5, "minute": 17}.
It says {"hour": 2, "minute": 52}
